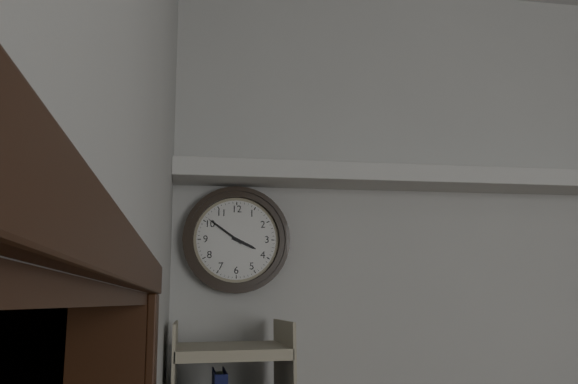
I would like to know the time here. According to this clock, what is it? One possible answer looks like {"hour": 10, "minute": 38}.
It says {"hour": 3, "minute": 51}
